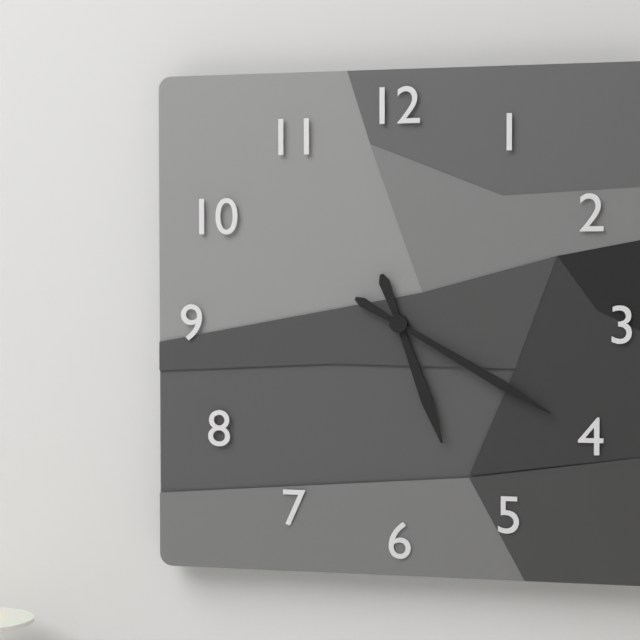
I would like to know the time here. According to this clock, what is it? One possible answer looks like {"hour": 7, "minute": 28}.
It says {"hour": 5, "minute": 20}
